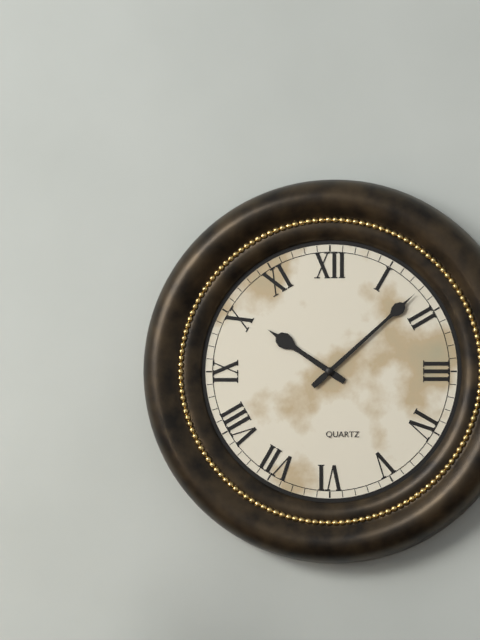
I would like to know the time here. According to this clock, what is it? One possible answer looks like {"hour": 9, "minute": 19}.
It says {"hour": 10, "minute": 8}
